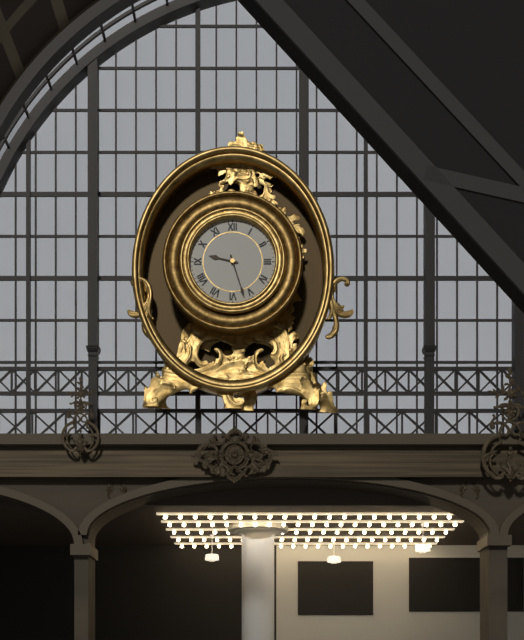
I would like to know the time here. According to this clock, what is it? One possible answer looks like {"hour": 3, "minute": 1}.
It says {"hour": 9, "minute": 27}
